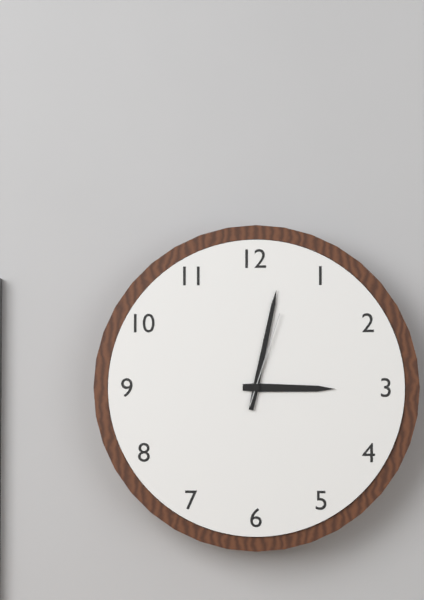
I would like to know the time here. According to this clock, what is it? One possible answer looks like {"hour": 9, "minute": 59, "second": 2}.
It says {"hour": 3, "minute": 2, "second": 3}
